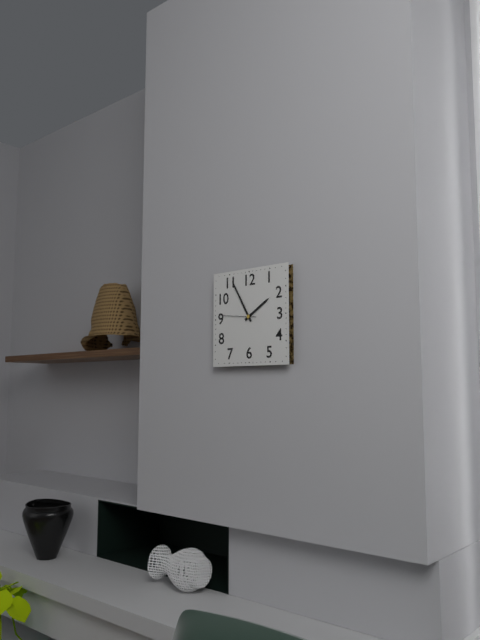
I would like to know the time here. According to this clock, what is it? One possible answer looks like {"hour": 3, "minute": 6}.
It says {"hour": 1, "minute": 55}
